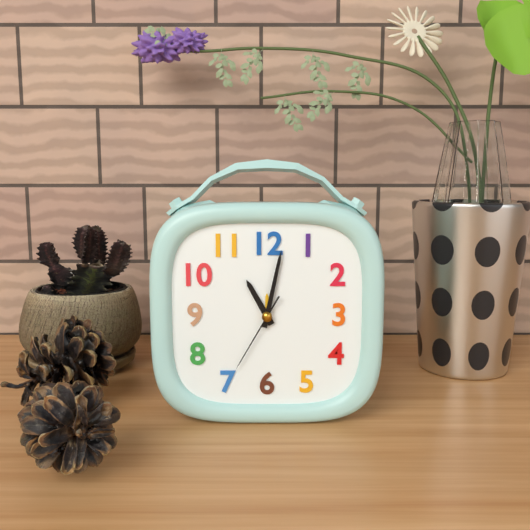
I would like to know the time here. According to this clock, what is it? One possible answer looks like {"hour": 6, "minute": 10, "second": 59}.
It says {"hour": 11, "minute": 2, "second": 35}
